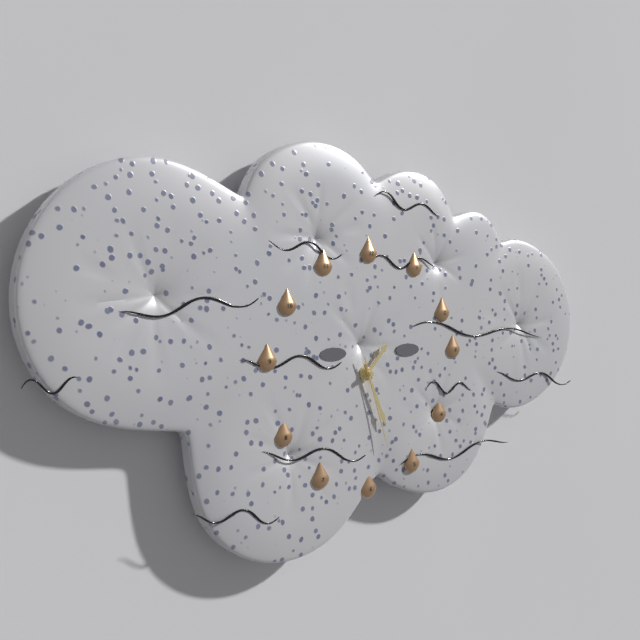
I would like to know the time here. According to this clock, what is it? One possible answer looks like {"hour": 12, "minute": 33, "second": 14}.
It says {"hour": 1, "minute": 26, "second": 27}
